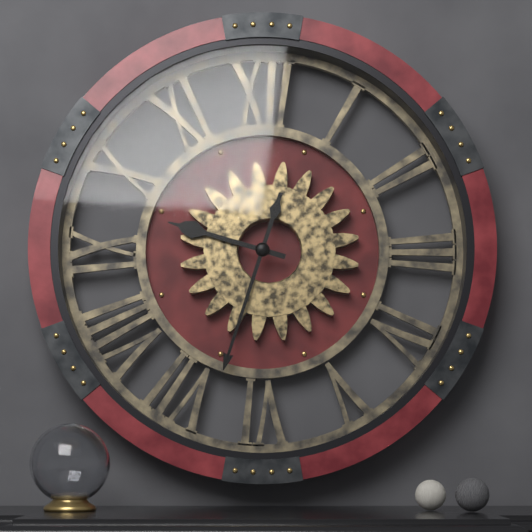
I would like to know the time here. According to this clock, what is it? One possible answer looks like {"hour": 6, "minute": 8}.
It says {"hour": 9, "minute": 33}
